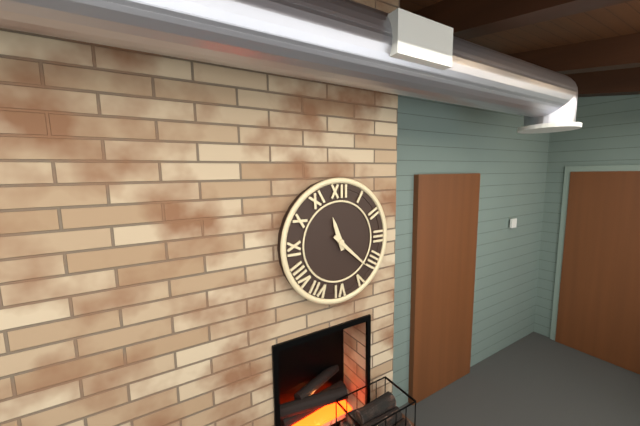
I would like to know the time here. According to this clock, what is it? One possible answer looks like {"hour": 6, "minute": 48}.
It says {"hour": 11, "minute": 22}
